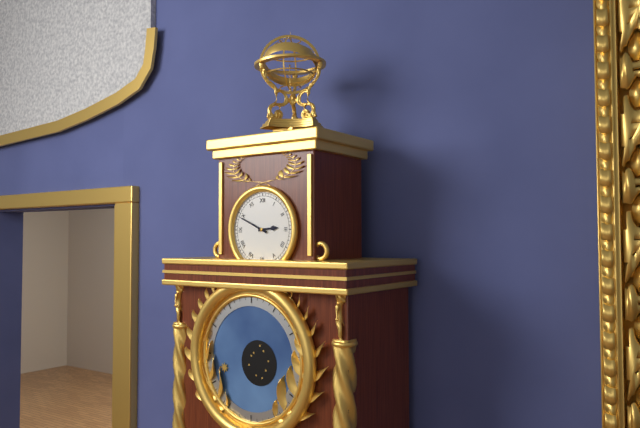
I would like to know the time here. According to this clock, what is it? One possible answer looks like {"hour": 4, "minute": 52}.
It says {"hour": 2, "minute": 49}
